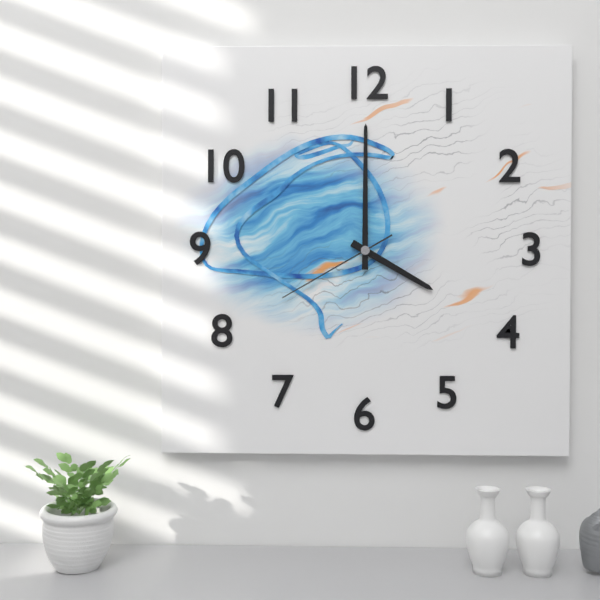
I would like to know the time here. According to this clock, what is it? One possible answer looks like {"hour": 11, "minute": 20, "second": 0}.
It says {"hour": 4, "minute": 0, "second": 40}
